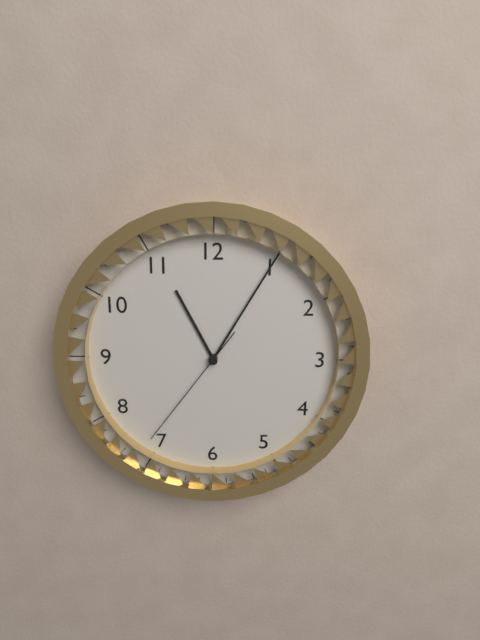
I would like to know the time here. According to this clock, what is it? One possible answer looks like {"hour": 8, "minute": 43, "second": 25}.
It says {"hour": 11, "minute": 5, "second": 36}
